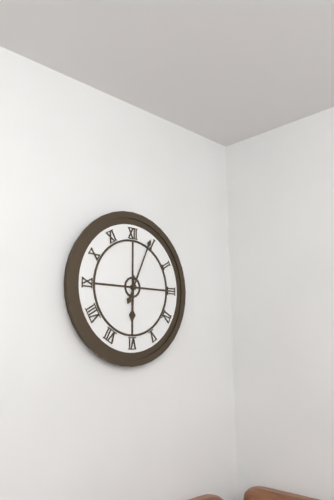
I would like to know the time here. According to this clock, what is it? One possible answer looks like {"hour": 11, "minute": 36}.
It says {"hour": 6, "minute": 4}
